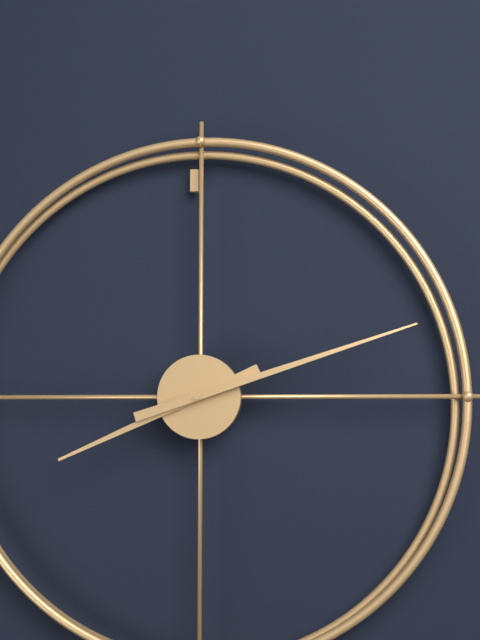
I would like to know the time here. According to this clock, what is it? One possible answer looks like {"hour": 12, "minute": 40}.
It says {"hour": 8, "minute": 12}
